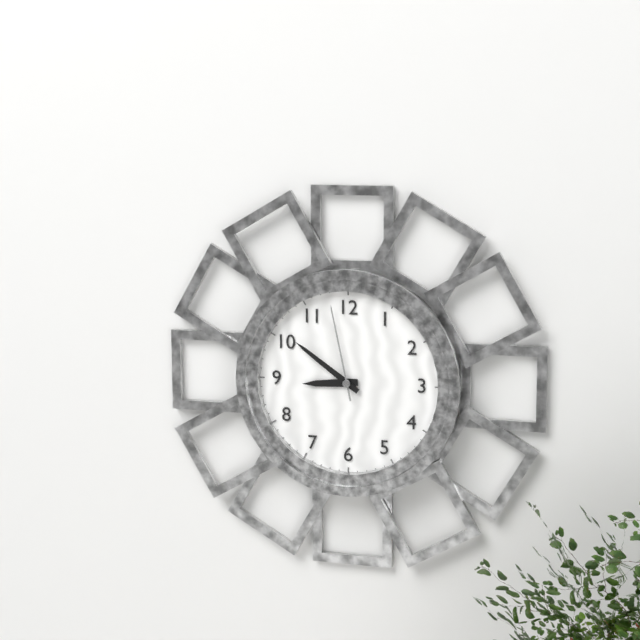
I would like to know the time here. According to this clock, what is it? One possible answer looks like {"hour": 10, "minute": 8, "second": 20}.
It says {"hour": 8, "minute": 51, "second": 58}
